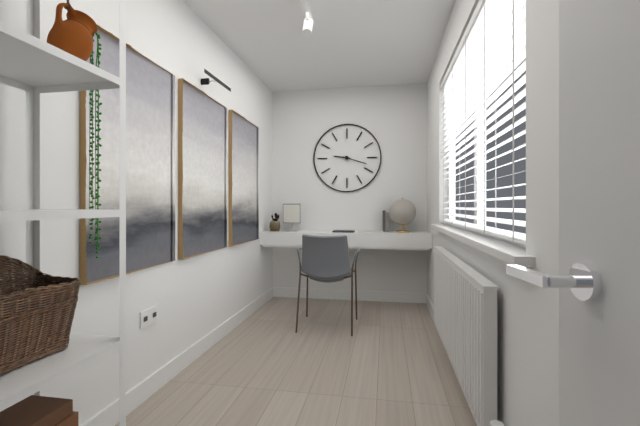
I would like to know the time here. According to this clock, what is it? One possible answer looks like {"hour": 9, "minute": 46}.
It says {"hour": 9, "minute": 18}
